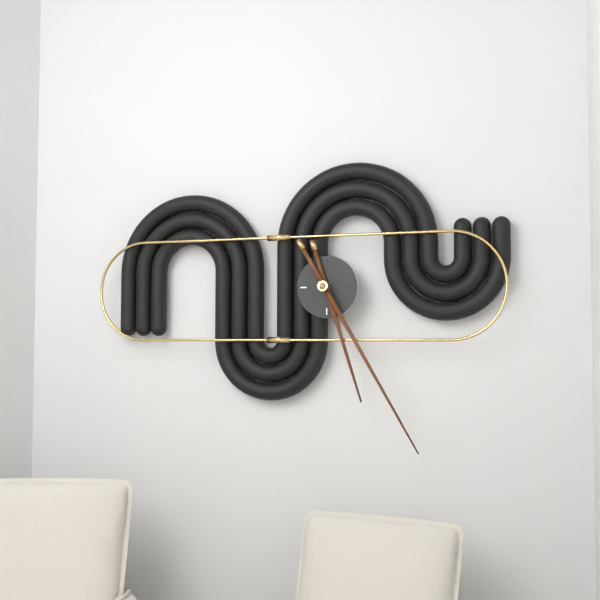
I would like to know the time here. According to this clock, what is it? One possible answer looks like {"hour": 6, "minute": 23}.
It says {"hour": 5, "minute": 25}
